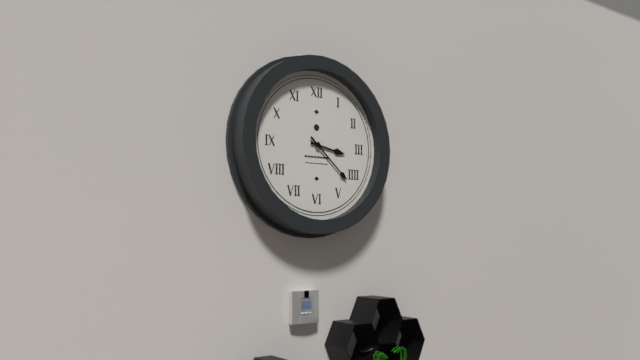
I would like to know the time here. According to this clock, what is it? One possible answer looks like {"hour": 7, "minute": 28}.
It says {"hour": 3, "minute": 22}
